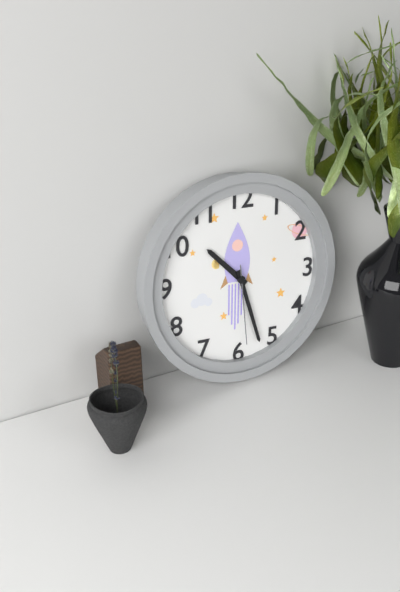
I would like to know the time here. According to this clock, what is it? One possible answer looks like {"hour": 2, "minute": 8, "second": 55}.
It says {"hour": 10, "minute": 27, "second": 29}
